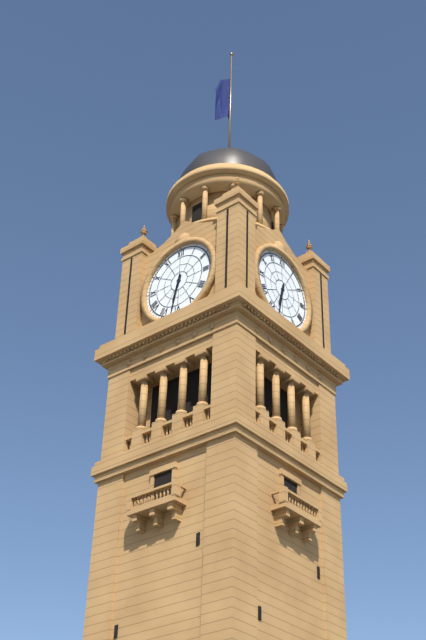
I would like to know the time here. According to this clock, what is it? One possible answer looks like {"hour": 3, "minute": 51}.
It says {"hour": 6, "minute": 32}
